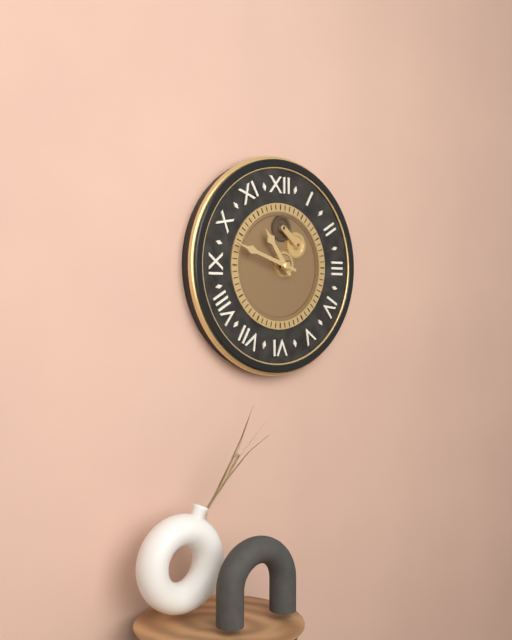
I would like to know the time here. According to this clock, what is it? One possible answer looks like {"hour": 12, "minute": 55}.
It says {"hour": 10, "minute": 48}
